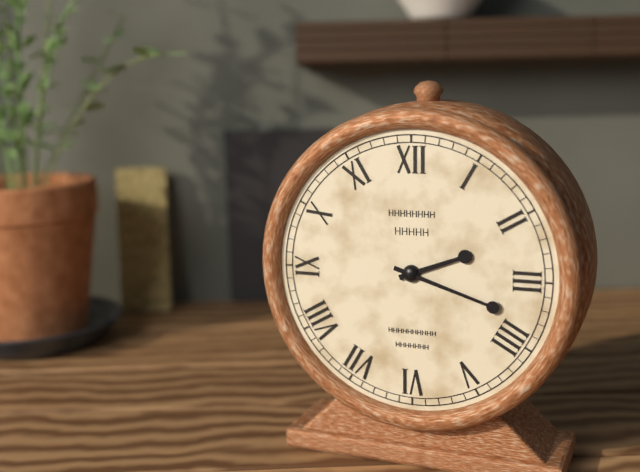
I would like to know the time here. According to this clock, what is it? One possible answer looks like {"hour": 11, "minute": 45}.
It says {"hour": 2, "minute": 18}
